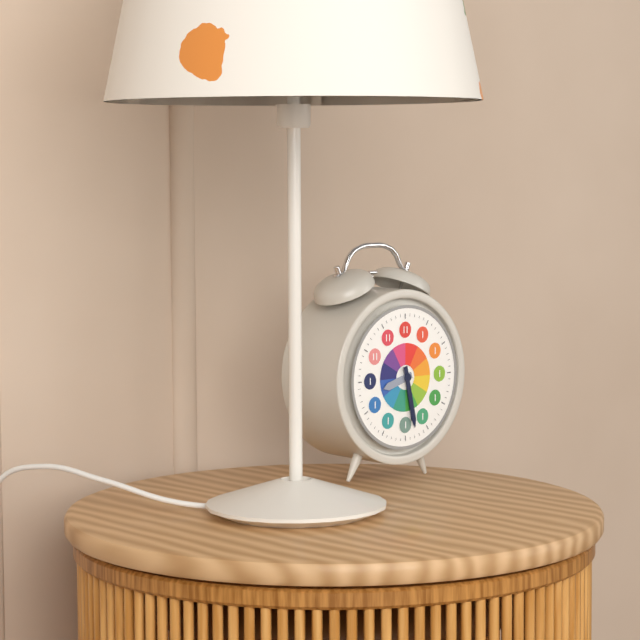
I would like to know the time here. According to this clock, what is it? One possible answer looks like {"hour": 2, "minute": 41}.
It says {"hour": 8, "minute": 28}
